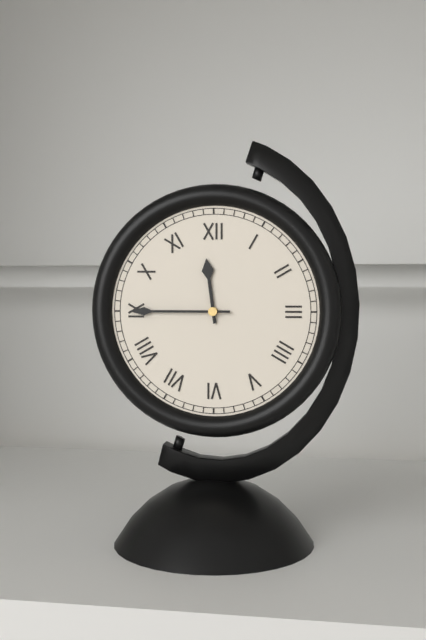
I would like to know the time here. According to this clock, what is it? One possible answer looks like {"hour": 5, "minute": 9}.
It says {"hour": 11, "minute": 45}
